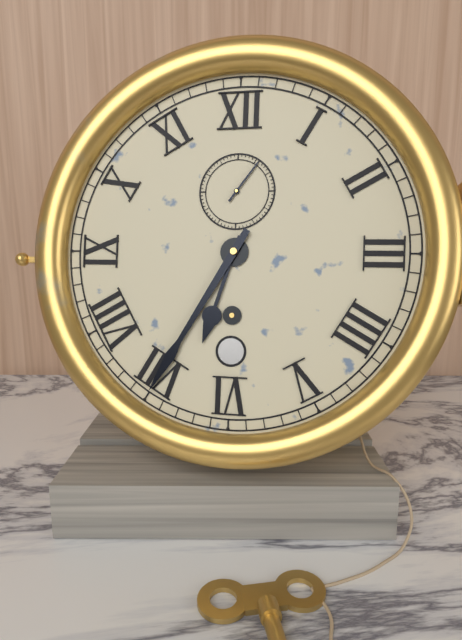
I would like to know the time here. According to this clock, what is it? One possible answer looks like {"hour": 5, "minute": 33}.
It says {"hour": 6, "minute": 35}
